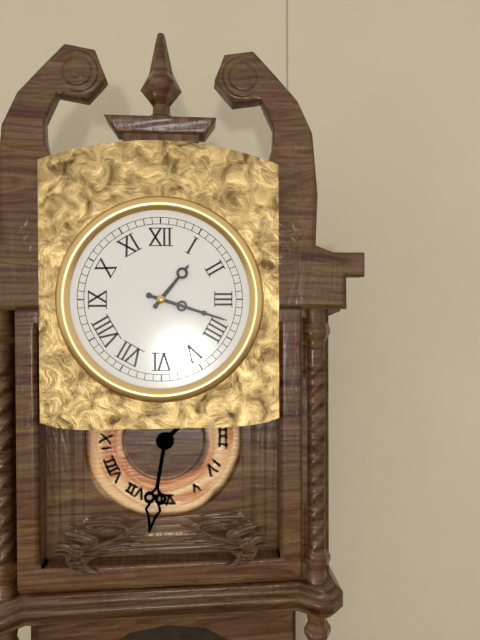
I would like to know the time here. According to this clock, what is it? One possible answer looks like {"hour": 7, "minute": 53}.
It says {"hour": 1, "minute": 18}
